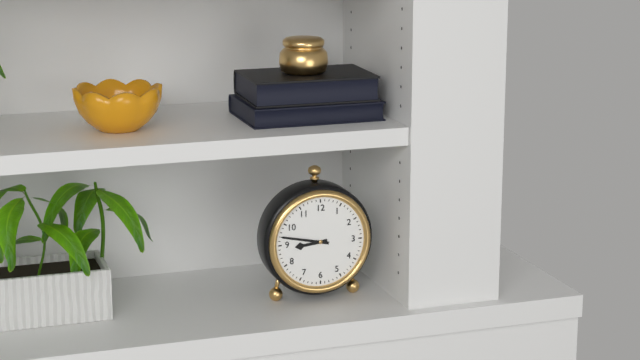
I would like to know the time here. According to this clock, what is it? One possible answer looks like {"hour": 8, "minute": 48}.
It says {"hour": 8, "minute": 47}
